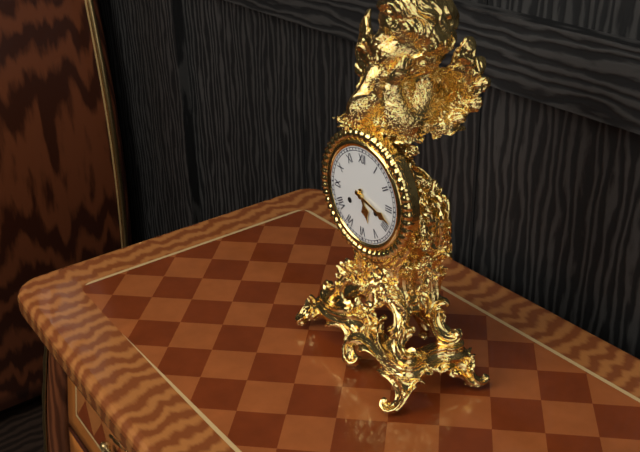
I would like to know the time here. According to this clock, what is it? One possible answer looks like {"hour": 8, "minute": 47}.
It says {"hour": 5, "minute": 18}
